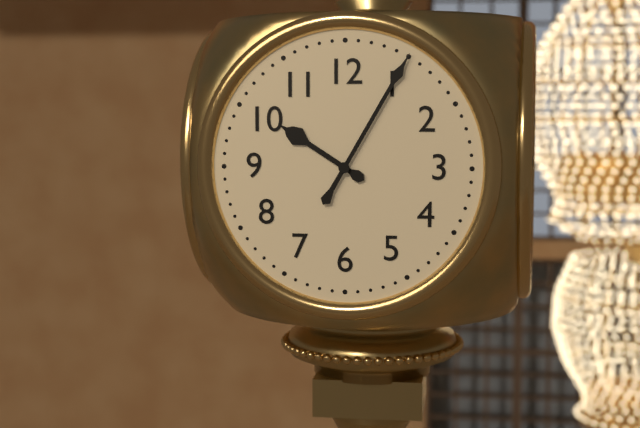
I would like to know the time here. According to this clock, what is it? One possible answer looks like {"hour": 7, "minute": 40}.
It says {"hour": 10, "minute": 5}
